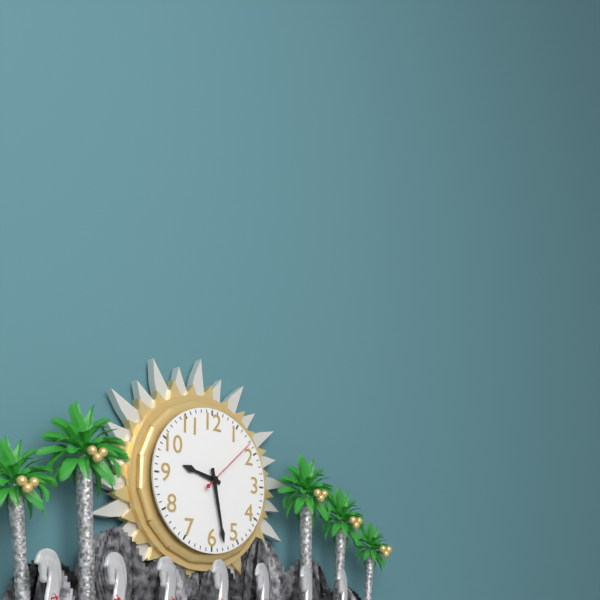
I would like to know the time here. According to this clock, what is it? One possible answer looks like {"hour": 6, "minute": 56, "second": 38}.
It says {"hour": 9, "minute": 28, "second": 8}
